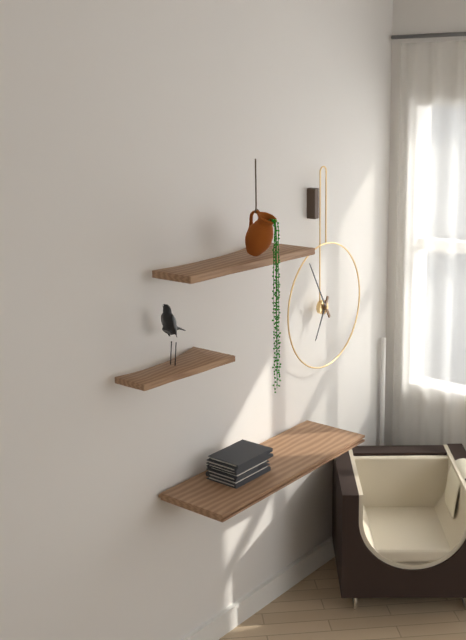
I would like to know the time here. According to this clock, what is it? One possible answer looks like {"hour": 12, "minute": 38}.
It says {"hour": 6, "minute": 55}
